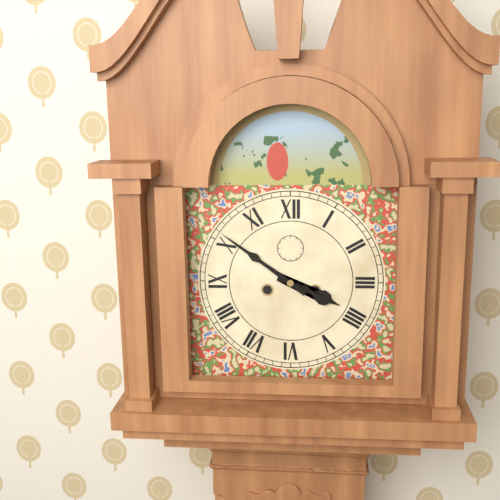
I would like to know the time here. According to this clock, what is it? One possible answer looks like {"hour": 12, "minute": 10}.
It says {"hour": 3, "minute": 51}
